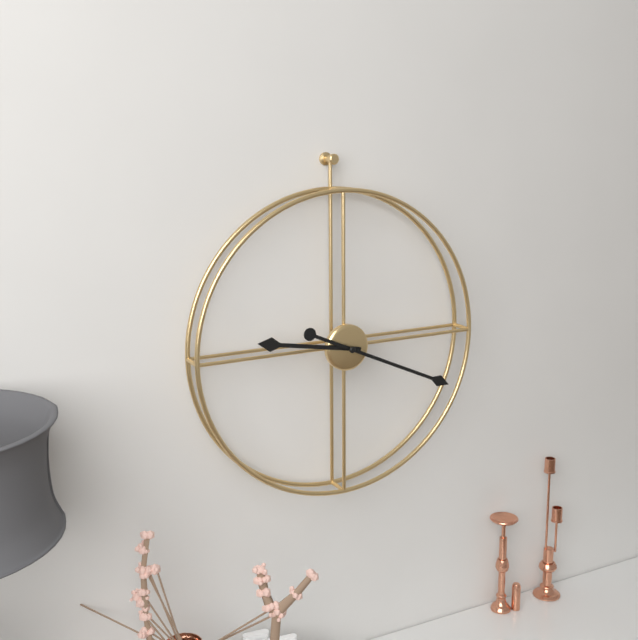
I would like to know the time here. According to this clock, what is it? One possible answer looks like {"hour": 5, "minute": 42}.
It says {"hour": 9, "minute": 19}
